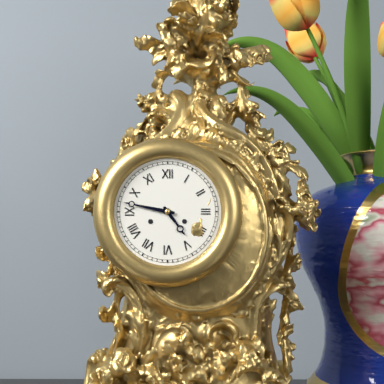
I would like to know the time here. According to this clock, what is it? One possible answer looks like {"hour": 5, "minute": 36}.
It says {"hour": 4, "minute": 47}
